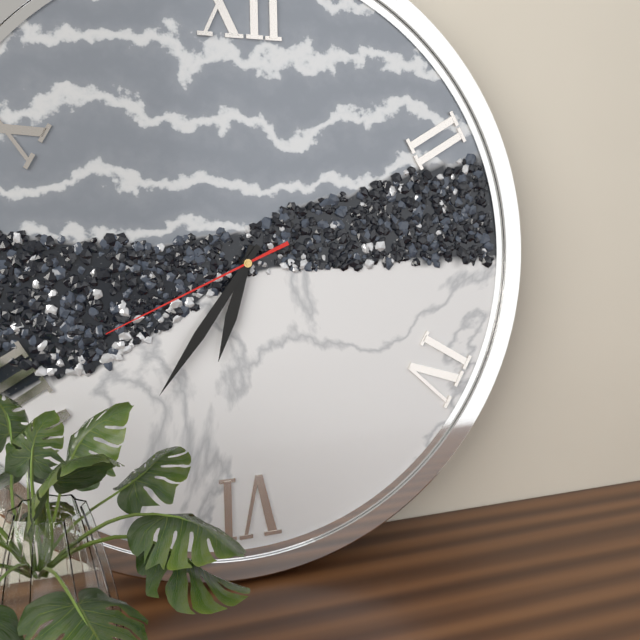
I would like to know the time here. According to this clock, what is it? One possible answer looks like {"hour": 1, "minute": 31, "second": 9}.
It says {"hour": 6, "minute": 36, "second": 41}
